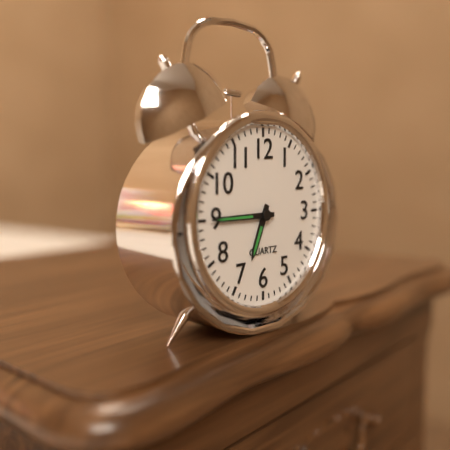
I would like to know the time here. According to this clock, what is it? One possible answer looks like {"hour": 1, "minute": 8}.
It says {"hour": 6, "minute": 45}
